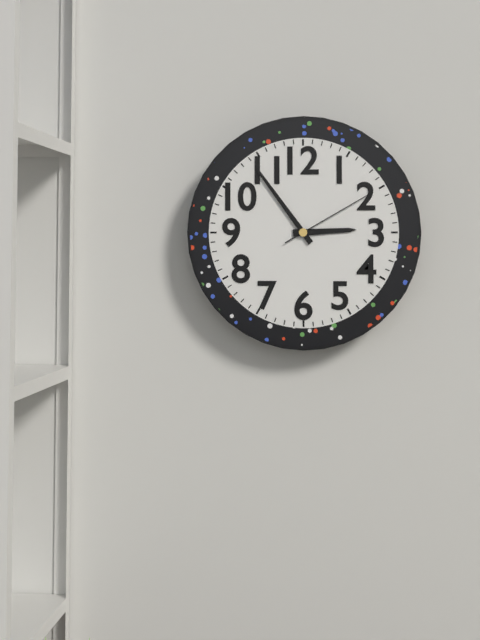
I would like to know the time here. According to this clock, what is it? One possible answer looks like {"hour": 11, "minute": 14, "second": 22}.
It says {"hour": 2, "minute": 54, "second": 10}
